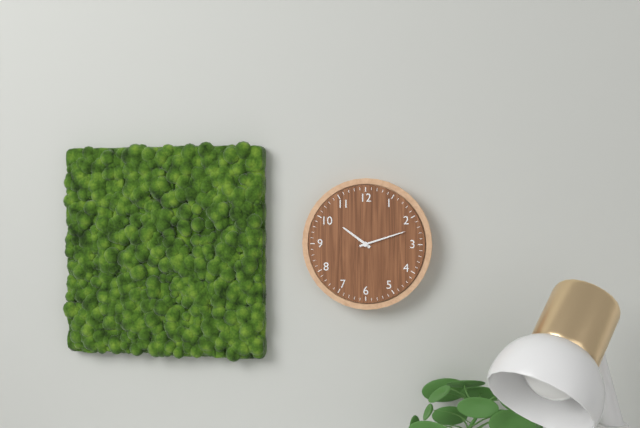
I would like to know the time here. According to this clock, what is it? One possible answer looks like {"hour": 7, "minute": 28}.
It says {"hour": 10, "minute": 12}
